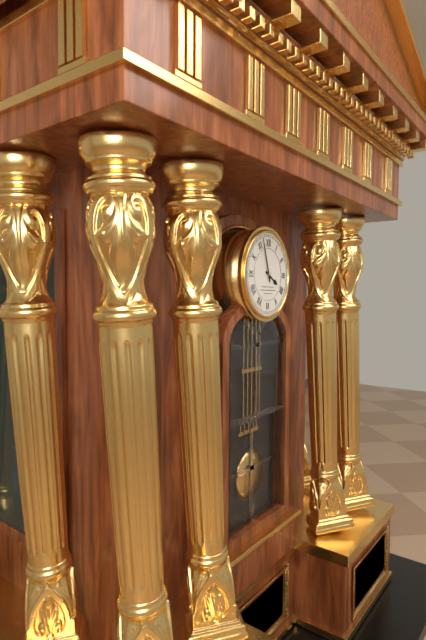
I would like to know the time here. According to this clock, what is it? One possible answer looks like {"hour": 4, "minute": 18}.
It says {"hour": 3, "minute": 57}
